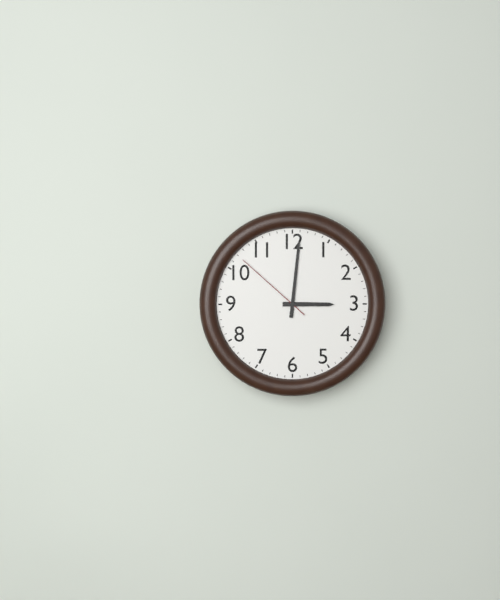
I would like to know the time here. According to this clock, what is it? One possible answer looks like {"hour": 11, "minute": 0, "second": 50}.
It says {"hour": 3, "minute": 1, "second": 52}
